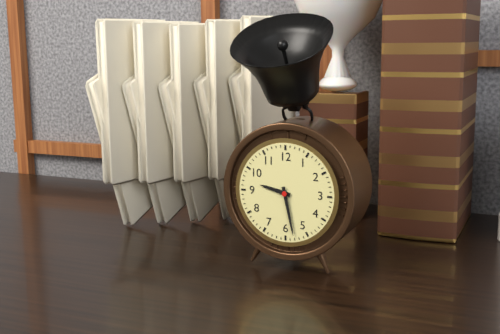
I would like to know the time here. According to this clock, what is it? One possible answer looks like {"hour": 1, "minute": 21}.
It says {"hour": 9, "minute": 28}
